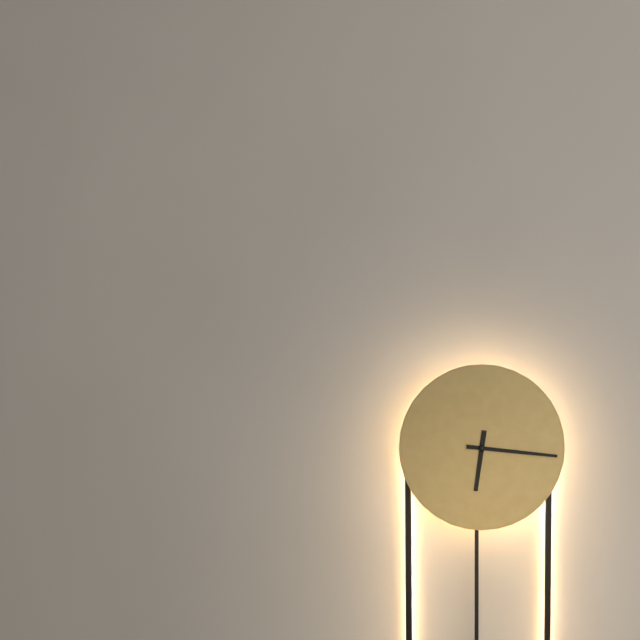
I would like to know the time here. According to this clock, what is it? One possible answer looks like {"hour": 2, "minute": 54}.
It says {"hour": 6, "minute": 16}
